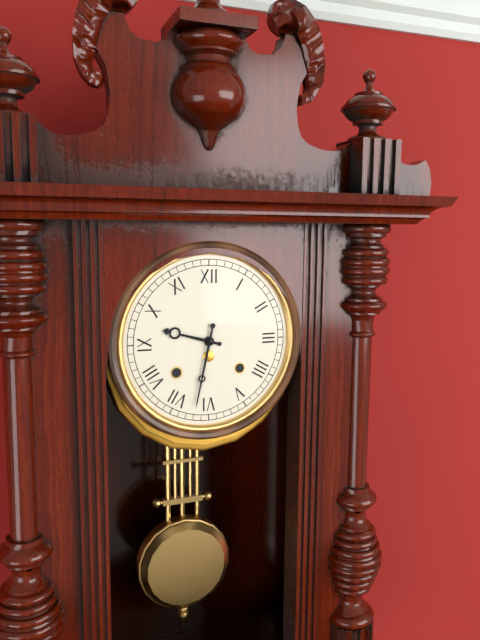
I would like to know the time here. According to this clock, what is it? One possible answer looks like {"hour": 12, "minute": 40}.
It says {"hour": 9, "minute": 32}
